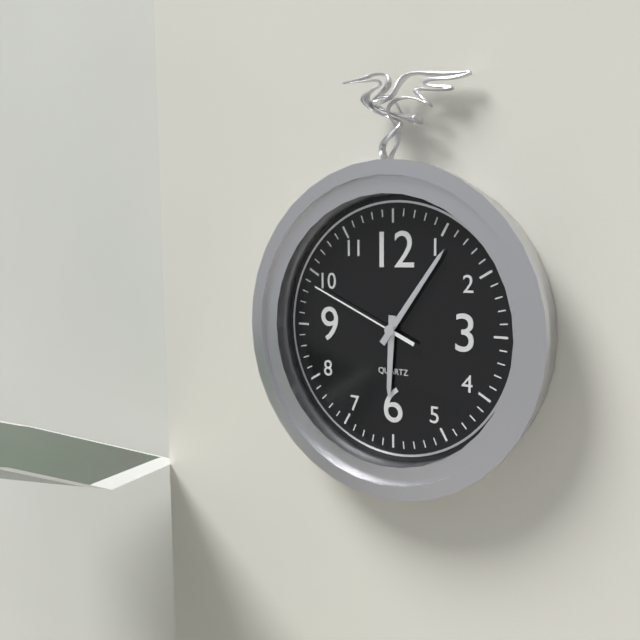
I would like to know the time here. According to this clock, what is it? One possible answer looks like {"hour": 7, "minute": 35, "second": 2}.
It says {"hour": 6, "minute": 6, "second": 49}
